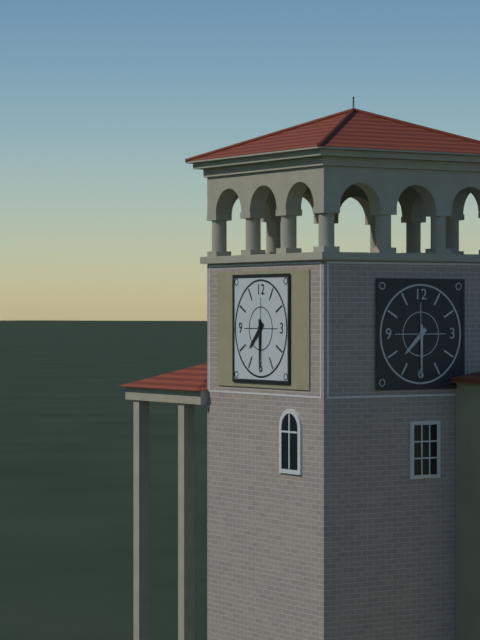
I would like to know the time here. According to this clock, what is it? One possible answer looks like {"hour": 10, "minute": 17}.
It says {"hour": 7, "minute": 30}
